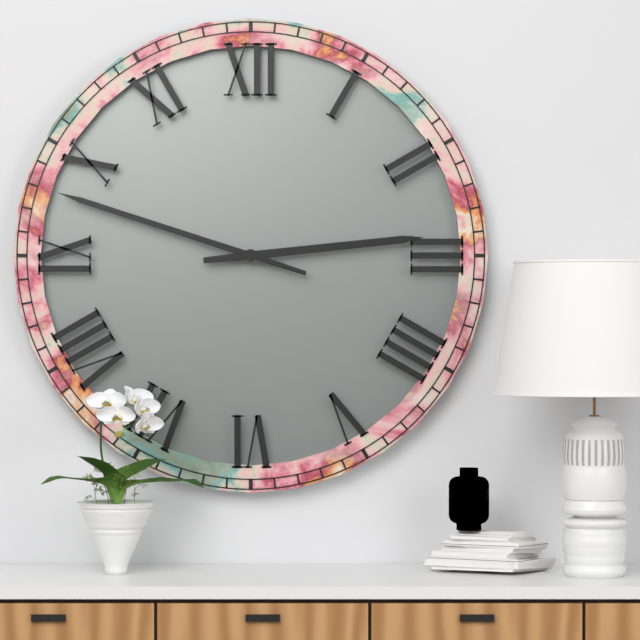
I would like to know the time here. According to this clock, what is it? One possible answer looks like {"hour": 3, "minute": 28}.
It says {"hour": 2, "minute": 48}
